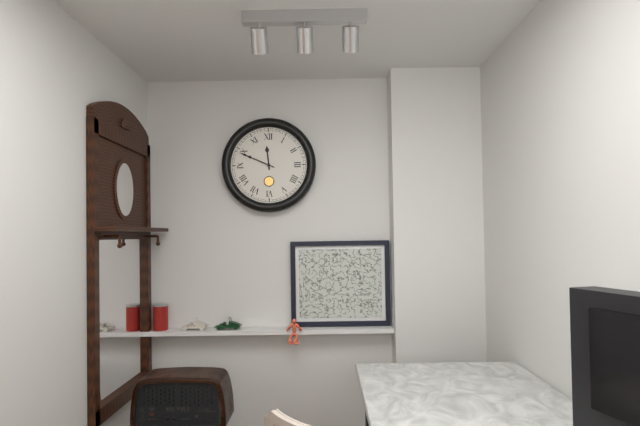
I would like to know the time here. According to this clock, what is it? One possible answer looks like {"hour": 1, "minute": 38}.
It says {"hour": 11, "minute": 49}
